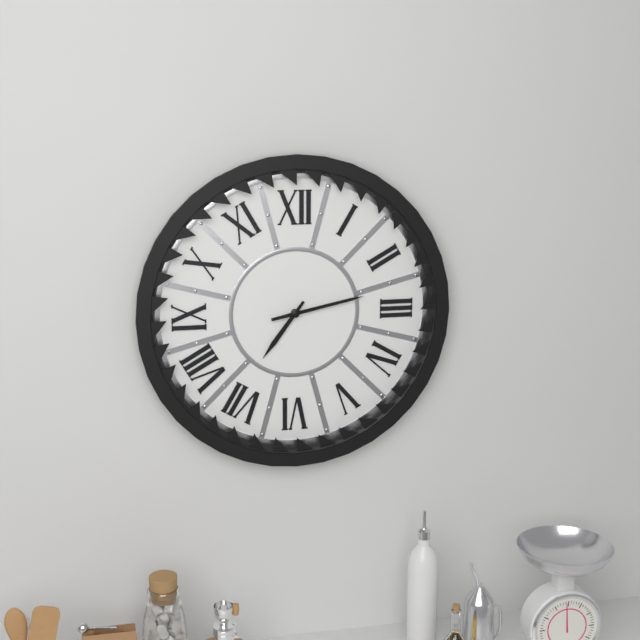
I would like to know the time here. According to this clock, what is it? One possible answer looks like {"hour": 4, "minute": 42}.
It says {"hour": 7, "minute": 13}
